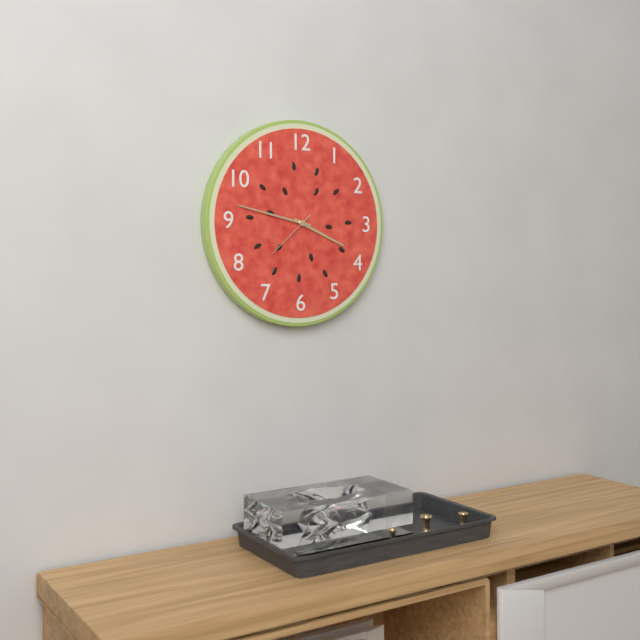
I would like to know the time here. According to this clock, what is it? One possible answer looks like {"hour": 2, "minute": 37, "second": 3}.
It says {"hour": 3, "minute": 47, "second": 38}
